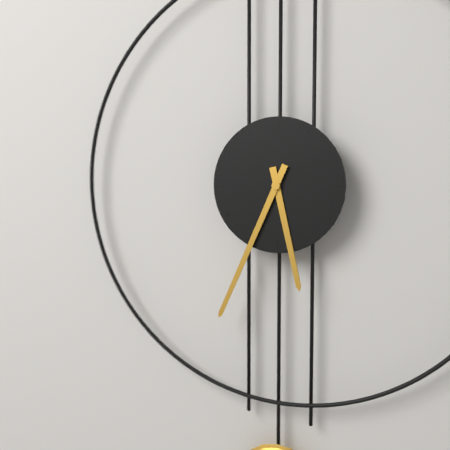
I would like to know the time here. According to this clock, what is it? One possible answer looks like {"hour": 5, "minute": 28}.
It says {"hour": 5, "minute": 34}
